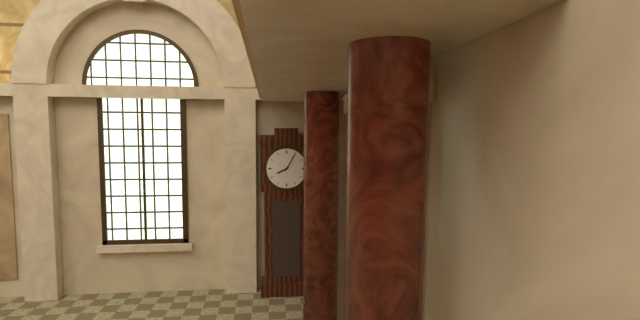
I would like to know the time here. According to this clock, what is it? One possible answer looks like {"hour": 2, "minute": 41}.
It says {"hour": 8, "minute": 5}
